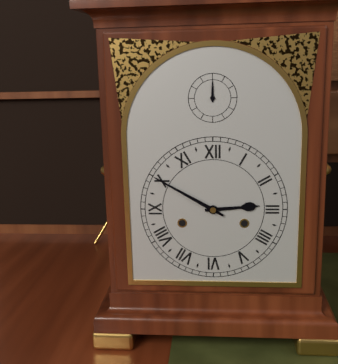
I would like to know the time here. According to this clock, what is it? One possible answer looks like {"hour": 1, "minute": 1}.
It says {"hour": 2, "minute": 50}
